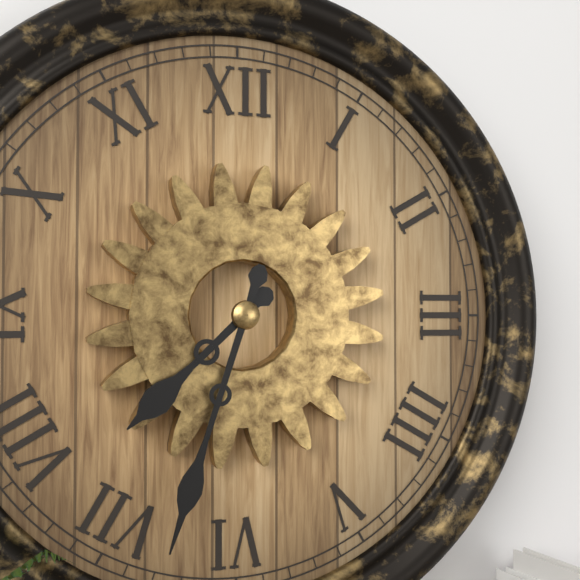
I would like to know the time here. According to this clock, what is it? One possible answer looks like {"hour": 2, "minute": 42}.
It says {"hour": 7, "minute": 33}
